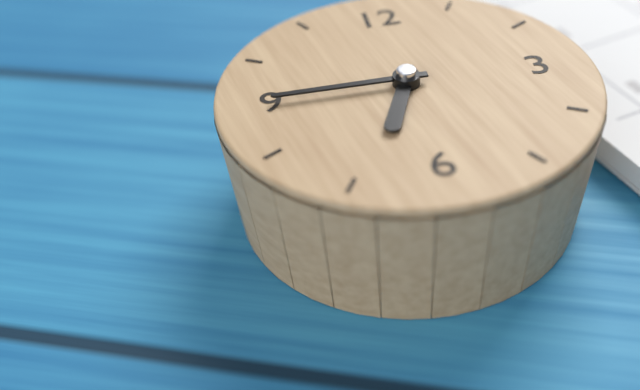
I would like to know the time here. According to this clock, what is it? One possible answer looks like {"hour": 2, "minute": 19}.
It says {"hour": 6, "minute": 45}
